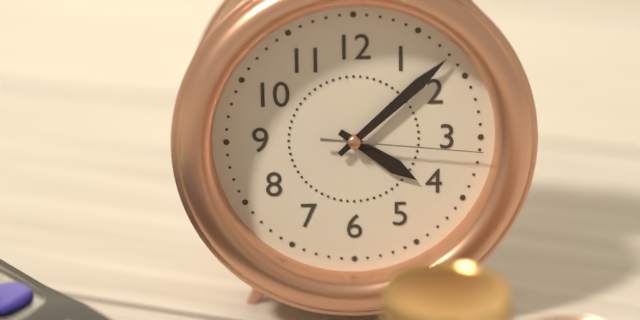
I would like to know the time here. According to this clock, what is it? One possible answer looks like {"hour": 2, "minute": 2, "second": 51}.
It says {"hour": 4, "minute": 8, "second": 16}
